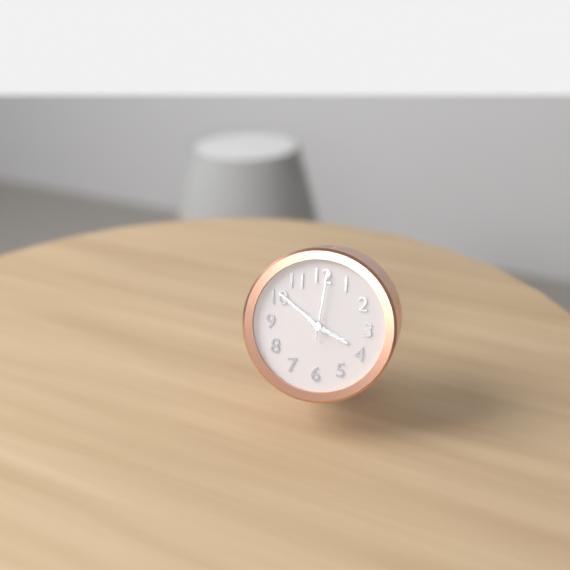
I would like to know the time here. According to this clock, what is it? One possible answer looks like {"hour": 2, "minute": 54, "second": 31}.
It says {"hour": 3, "minute": 51, "second": 1}
